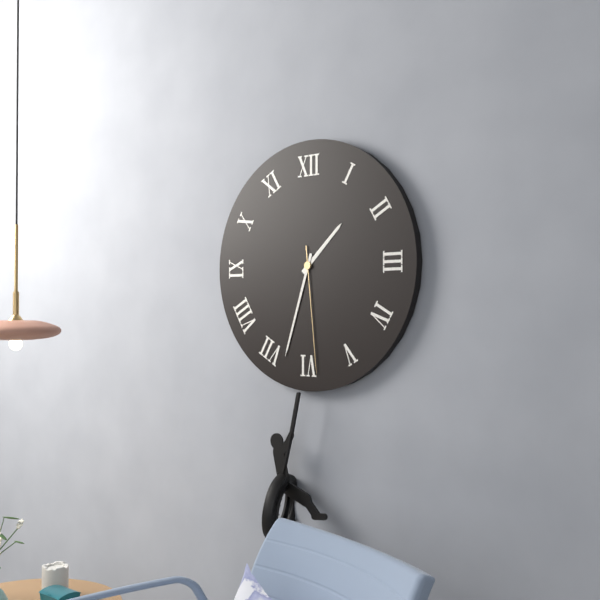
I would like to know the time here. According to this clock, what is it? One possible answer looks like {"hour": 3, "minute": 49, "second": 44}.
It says {"hour": 1, "minute": 33, "second": 29}
